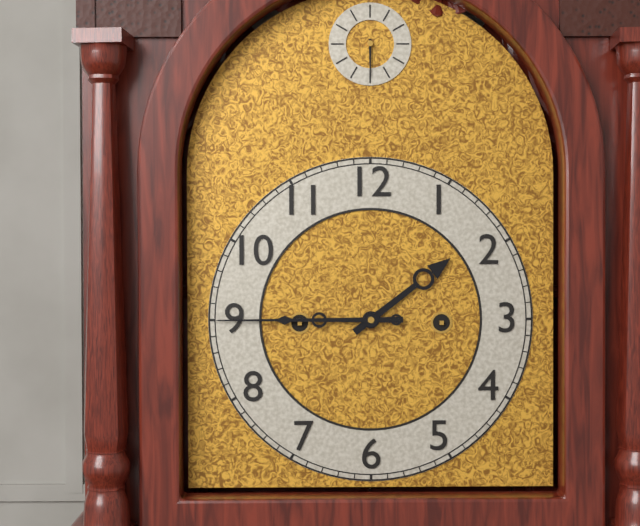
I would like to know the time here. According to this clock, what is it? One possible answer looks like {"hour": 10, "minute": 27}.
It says {"hour": 1, "minute": 45}
